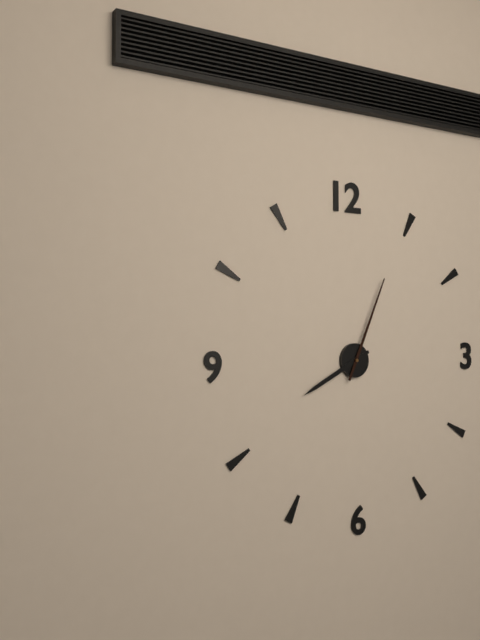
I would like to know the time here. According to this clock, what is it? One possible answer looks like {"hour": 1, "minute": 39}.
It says {"hour": 8, "minute": 4}
